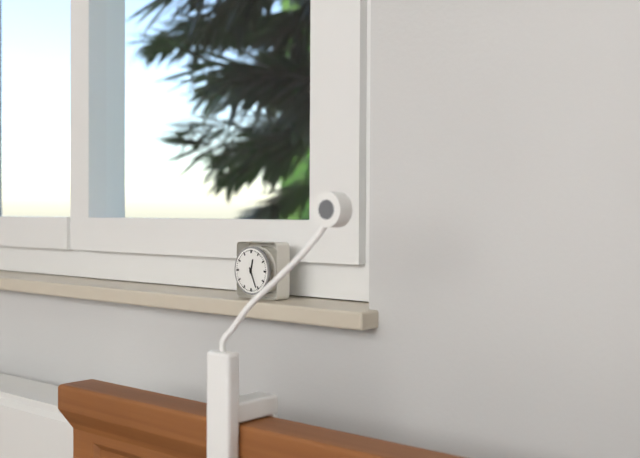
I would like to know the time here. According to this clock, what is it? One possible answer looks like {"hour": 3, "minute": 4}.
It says {"hour": 12, "minute": 26}
